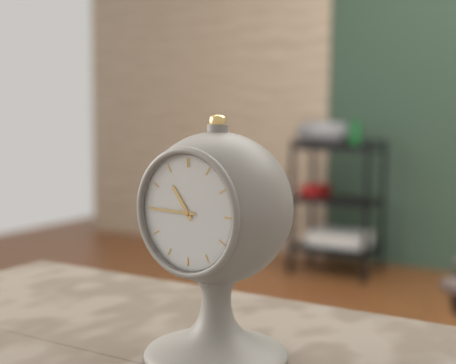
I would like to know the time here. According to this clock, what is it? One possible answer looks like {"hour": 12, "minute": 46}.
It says {"hour": 10, "minute": 45}
